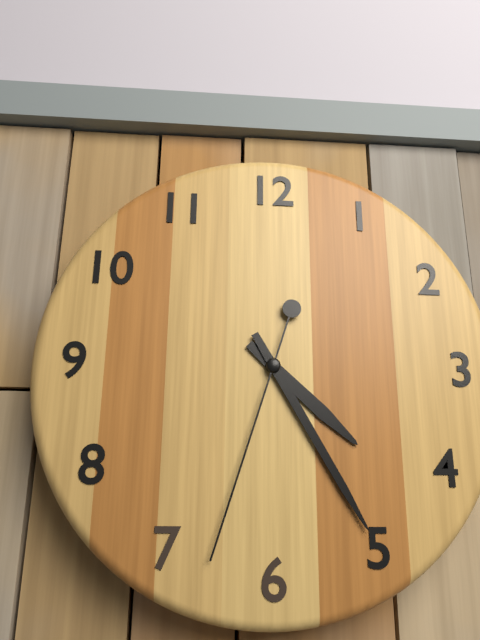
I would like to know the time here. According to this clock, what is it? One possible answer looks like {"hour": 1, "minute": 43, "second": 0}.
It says {"hour": 4, "minute": 25, "second": 33}
